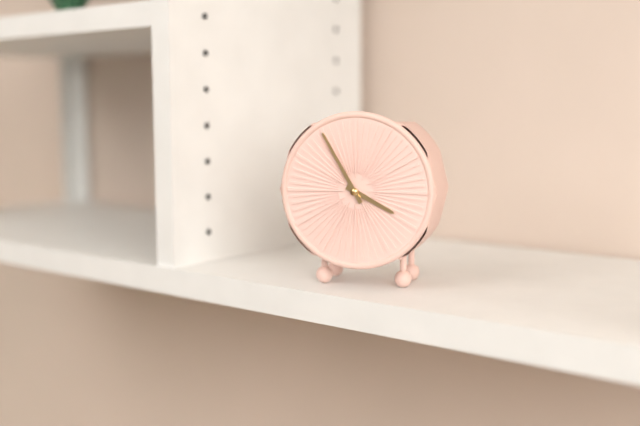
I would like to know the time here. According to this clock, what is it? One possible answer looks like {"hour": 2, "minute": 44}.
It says {"hour": 3, "minute": 55}
